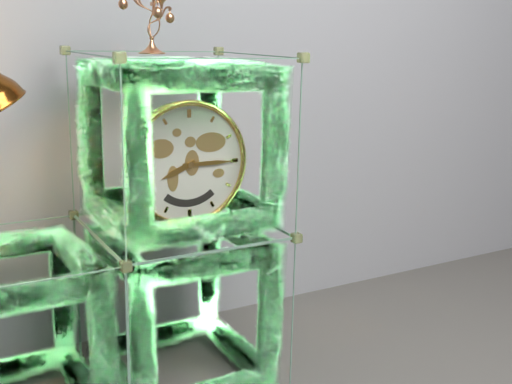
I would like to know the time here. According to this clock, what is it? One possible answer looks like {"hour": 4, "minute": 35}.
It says {"hour": 8, "minute": 15}
